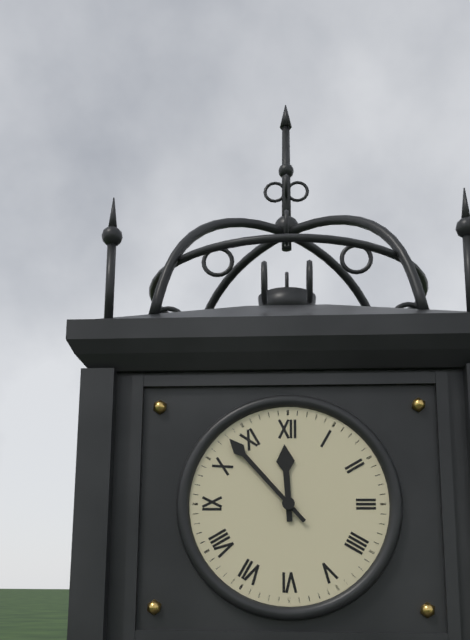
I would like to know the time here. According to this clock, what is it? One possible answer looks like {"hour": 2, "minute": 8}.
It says {"hour": 11, "minute": 53}
